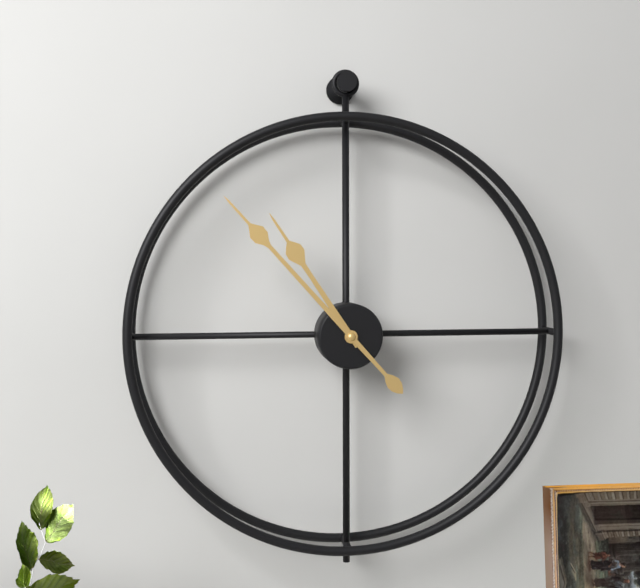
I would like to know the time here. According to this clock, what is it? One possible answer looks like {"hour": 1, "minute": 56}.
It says {"hour": 10, "minute": 53}
